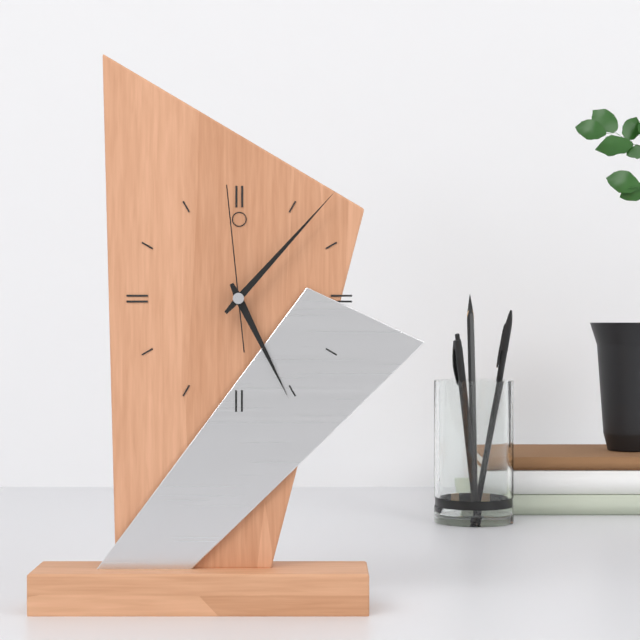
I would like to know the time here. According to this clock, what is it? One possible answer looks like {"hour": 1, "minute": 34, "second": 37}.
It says {"hour": 5, "minute": 7, "second": 59}
